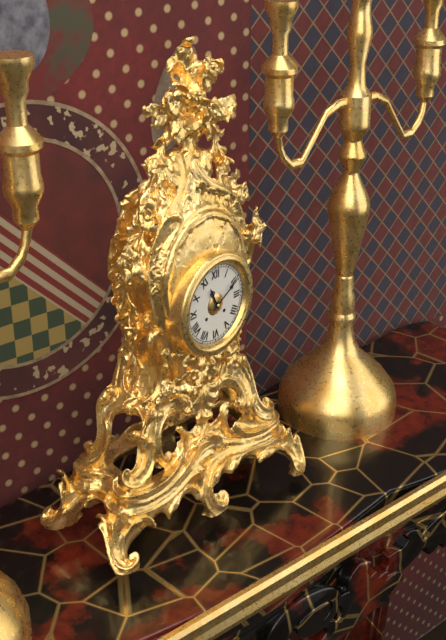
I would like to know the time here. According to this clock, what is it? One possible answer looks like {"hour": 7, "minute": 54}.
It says {"hour": 11, "minute": 10}
